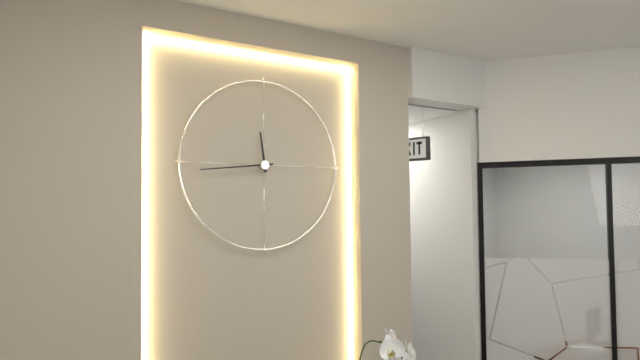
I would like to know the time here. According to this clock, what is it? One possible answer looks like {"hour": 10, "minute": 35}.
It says {"hour": 11, "minute": 44}
